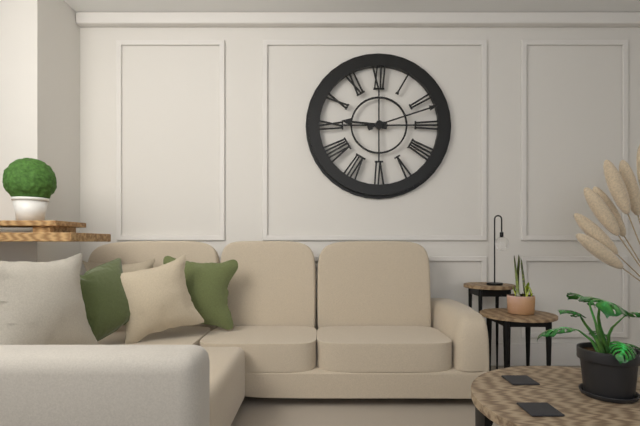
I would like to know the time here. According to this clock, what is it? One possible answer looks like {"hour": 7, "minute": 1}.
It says {"hour": 9, "minute": 12}
